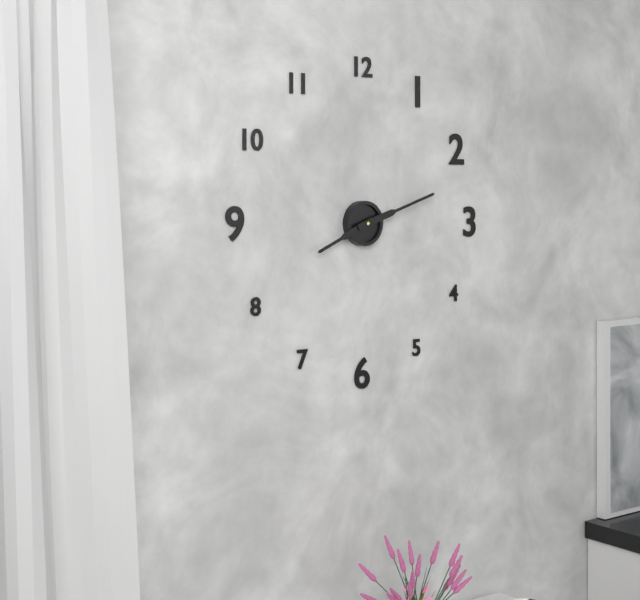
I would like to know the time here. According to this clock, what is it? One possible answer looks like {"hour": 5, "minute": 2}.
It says {"hour": 8, "minute": 12}
